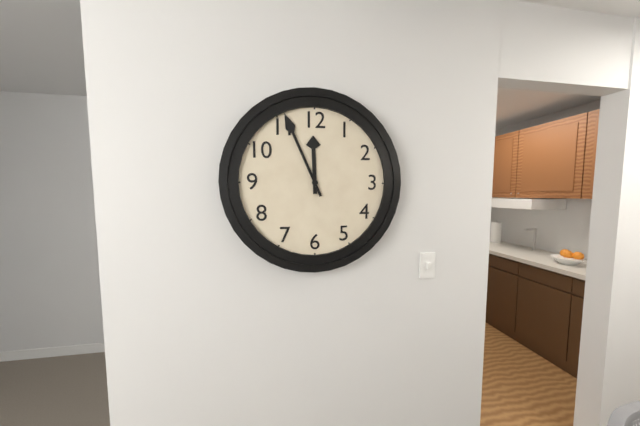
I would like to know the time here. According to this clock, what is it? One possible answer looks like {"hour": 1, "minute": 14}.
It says {"hour": 11, "minute": 56}
